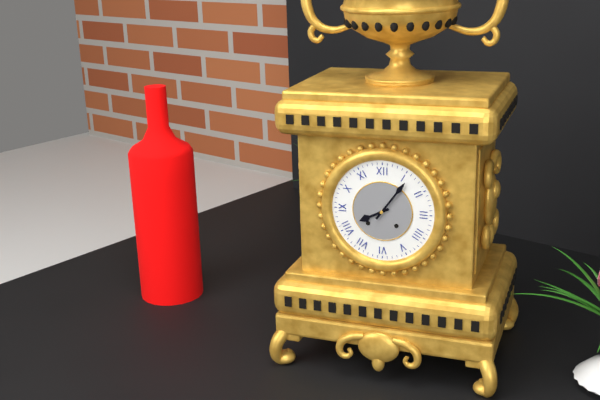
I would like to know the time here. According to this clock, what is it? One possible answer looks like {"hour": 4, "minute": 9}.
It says {"hour": 8, "minute": 6}
